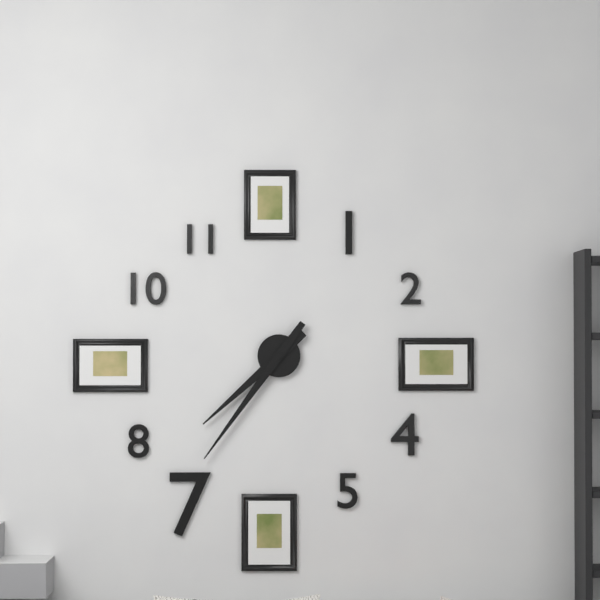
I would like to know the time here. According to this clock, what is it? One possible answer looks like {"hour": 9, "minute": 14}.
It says {"hour": 7, "minute": 36}
